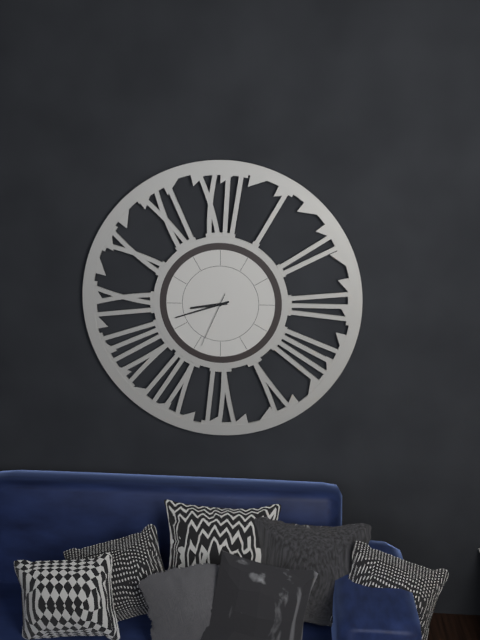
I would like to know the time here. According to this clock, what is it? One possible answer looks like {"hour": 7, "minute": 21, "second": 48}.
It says {"hour": 8, "minute": 42, "second": 34}
